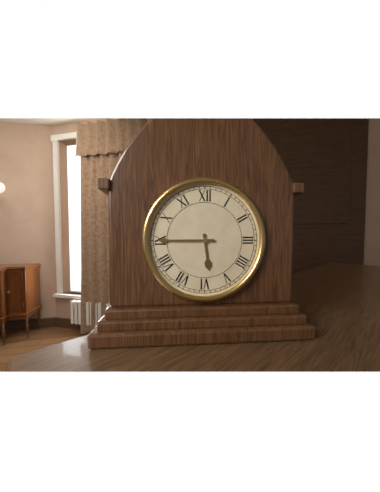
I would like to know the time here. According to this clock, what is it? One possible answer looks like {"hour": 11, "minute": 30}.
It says {"hour": 5, "minute": 45}
